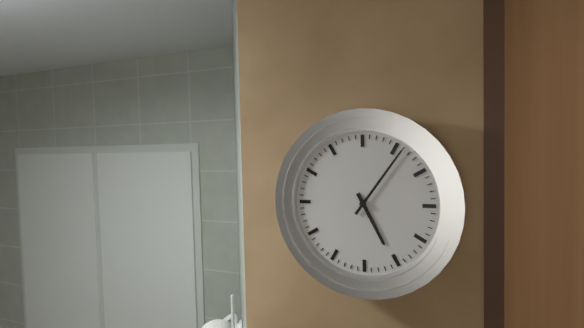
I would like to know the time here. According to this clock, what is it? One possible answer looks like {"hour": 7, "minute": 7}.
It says {"hour": 5, "minute": 6}
